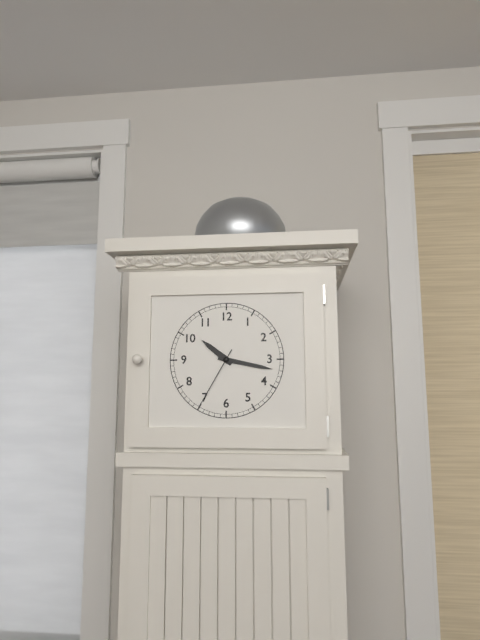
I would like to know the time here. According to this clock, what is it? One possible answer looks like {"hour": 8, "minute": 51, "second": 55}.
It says {"hour": 10, "minute": 17, "second": 35}
